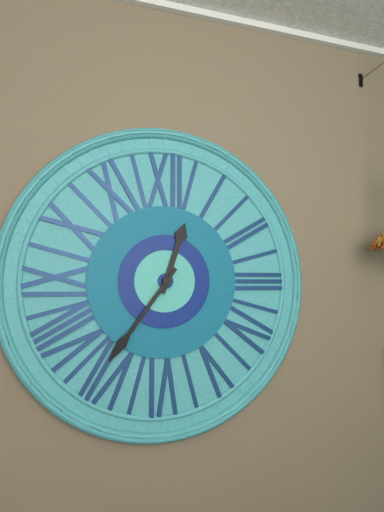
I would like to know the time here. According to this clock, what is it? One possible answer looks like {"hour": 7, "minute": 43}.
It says {"hour": 12, "minute": 36}
